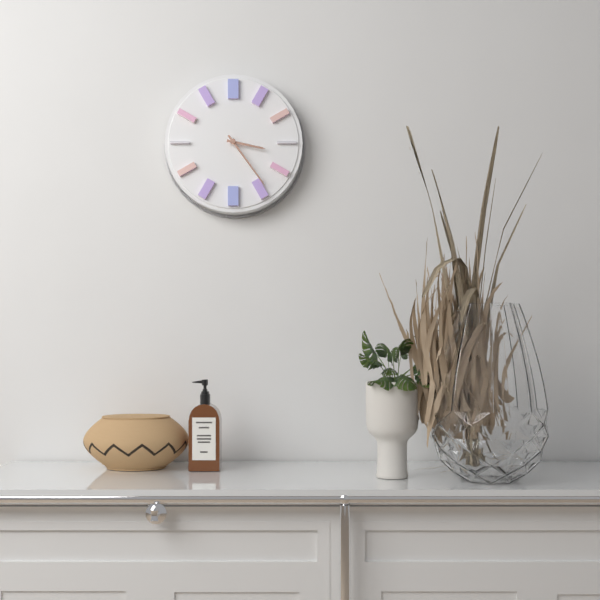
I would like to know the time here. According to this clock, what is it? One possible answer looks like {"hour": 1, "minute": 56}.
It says {"hour": 3, "minute": 24}
